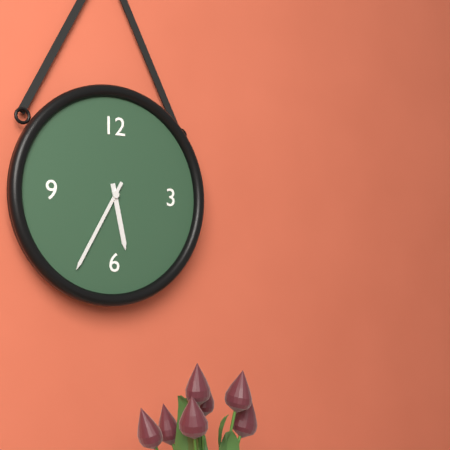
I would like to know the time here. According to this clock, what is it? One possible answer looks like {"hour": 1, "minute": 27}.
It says {"hour": 5, "minute": 35}
